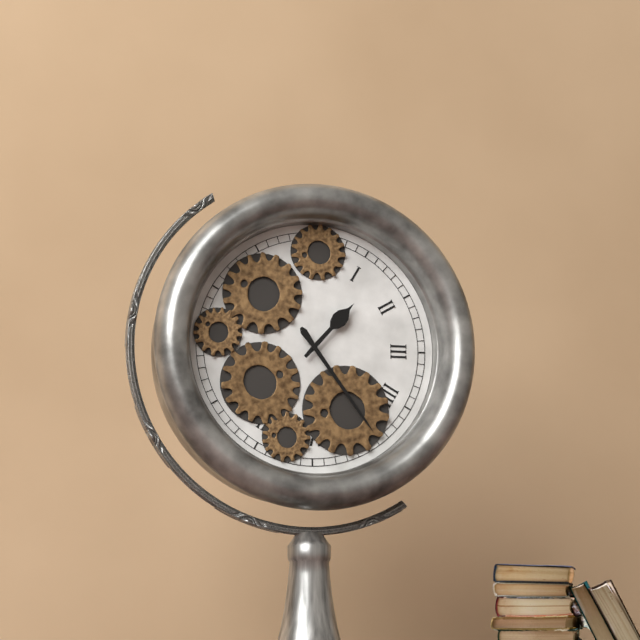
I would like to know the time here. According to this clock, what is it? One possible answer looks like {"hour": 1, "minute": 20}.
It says {"hour": 1, "minute": 24}
